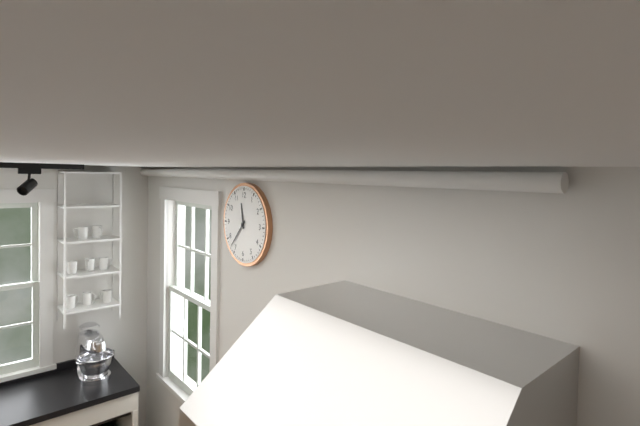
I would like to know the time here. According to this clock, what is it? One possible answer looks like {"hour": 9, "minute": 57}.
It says {"hour": 11, "minute": 37}
